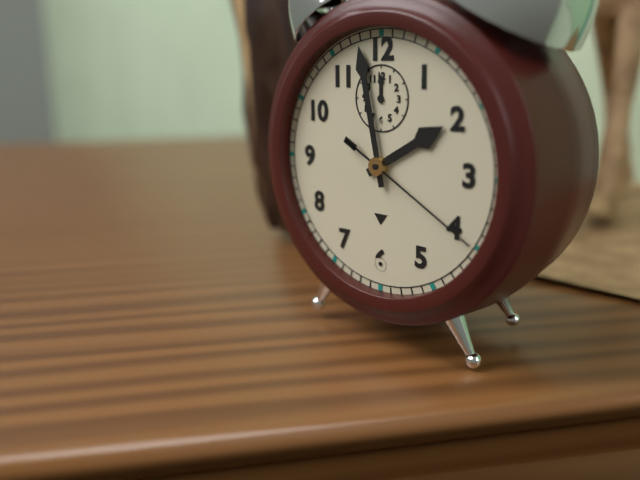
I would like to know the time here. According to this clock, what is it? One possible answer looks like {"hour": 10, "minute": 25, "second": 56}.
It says {"hour": 1, "minute": 58, "second": 20}
